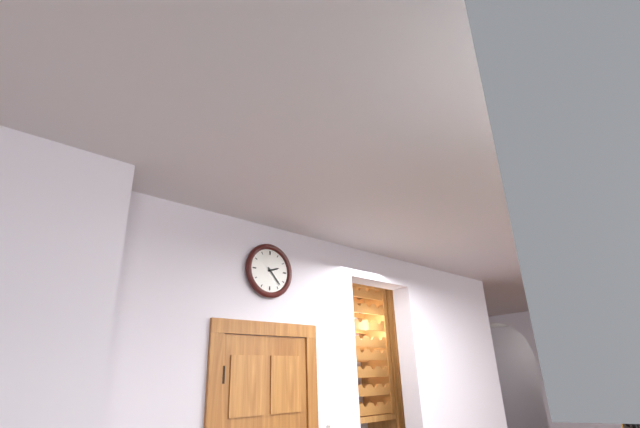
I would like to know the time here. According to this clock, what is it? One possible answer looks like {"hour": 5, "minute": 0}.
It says {"hour": 2, "minute": 23}
